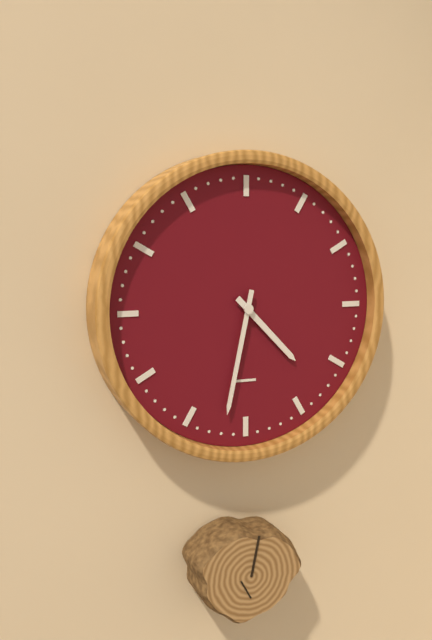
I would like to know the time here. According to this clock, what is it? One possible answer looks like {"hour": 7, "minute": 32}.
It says {"hour": 4, "minute": 32}
